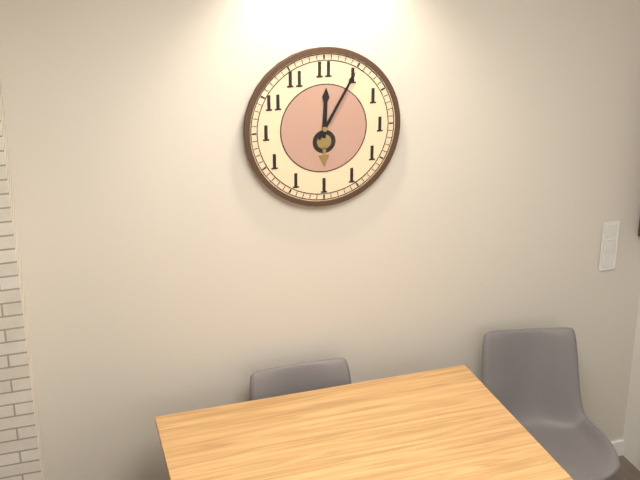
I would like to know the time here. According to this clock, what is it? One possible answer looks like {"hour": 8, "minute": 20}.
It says {"hour": 12, "minute": 5}
